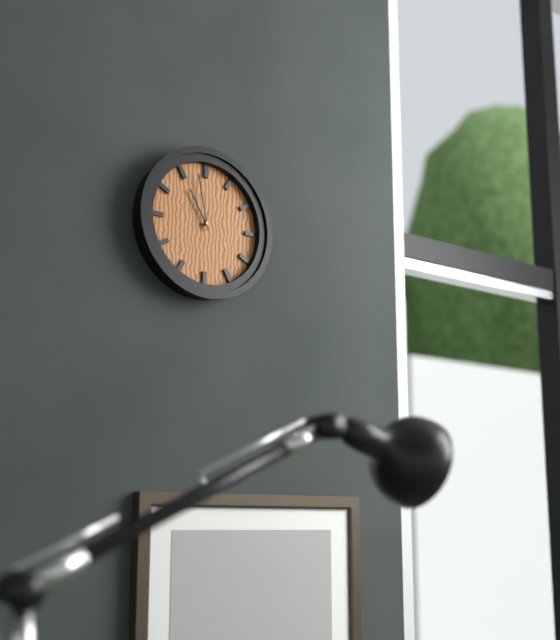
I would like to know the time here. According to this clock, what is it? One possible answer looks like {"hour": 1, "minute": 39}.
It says {"hour": 10, "minute": 58}
